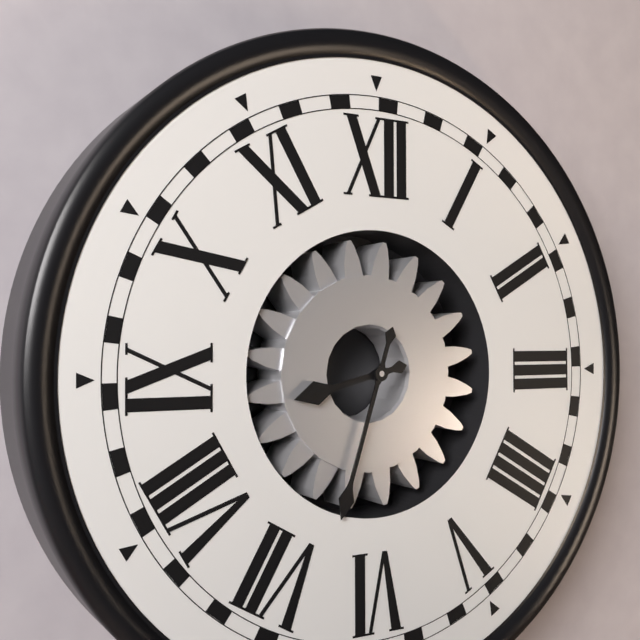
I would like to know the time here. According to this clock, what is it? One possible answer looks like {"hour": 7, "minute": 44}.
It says {"hour": 8, "minute": 33}
